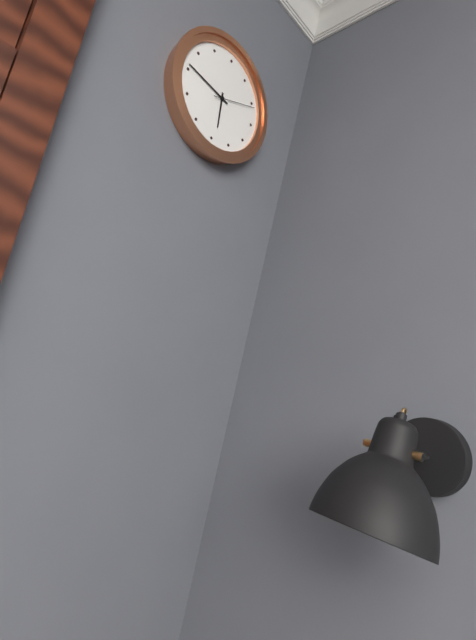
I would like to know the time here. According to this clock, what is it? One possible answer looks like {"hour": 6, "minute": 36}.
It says {"hour": 5, "minute": 46}
